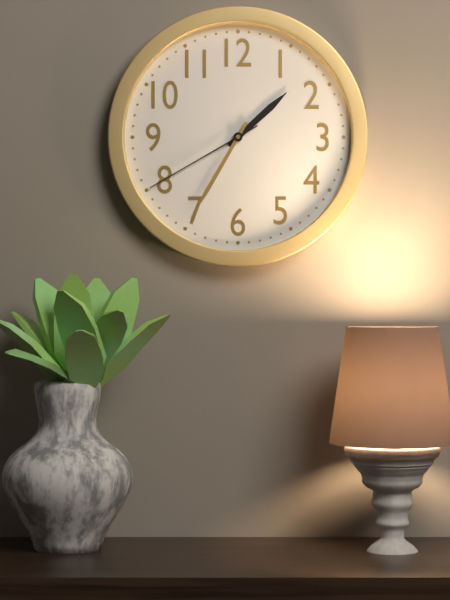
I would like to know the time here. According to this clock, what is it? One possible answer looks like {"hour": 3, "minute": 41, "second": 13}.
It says {"hour": 1, "minute": 35, "second": 40}
